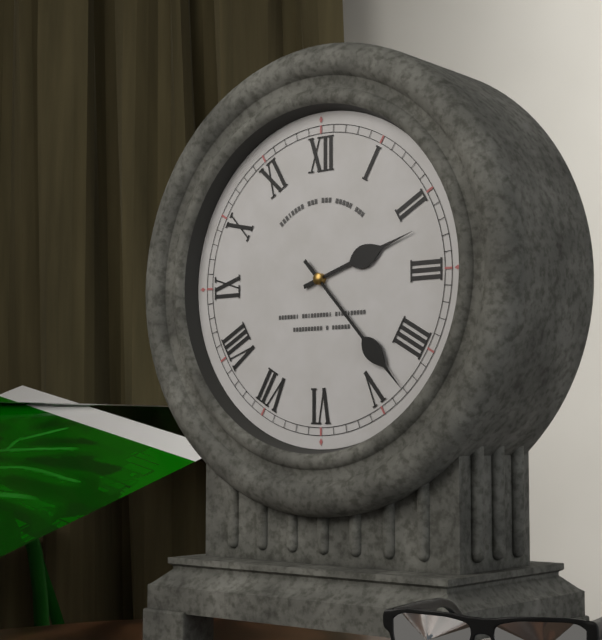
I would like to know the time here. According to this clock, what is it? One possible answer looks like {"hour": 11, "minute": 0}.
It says {"hour": 2, "minute": 23}
